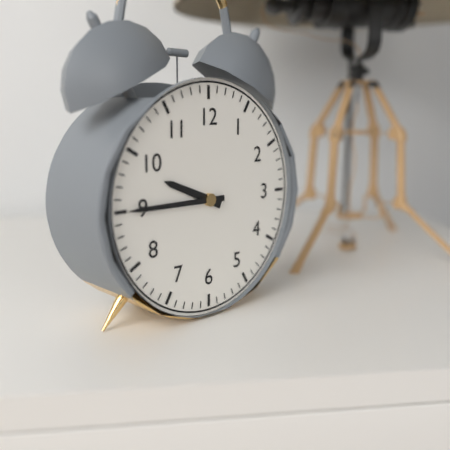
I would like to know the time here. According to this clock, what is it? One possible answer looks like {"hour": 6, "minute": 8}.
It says {"hour": 9, "minute": 45}
